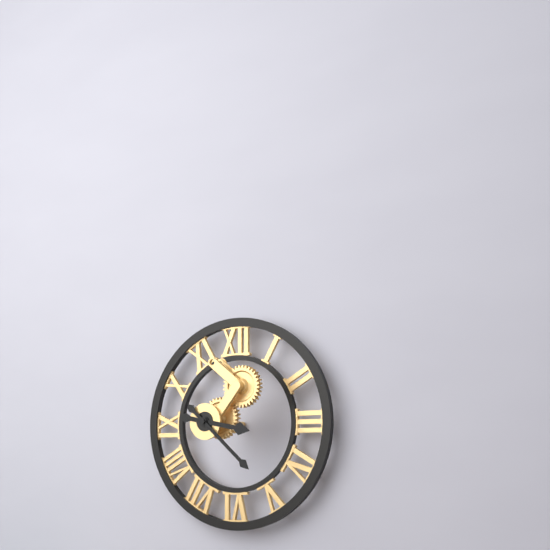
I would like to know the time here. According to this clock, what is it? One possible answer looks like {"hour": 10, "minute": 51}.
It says {"hour": 3, "minute": 22}
